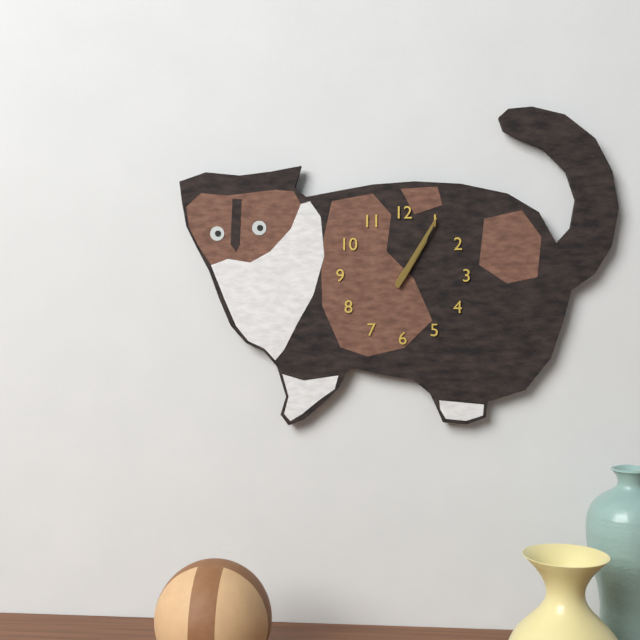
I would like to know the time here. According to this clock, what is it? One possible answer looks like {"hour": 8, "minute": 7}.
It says {"hour": 1, "minute": 5}
